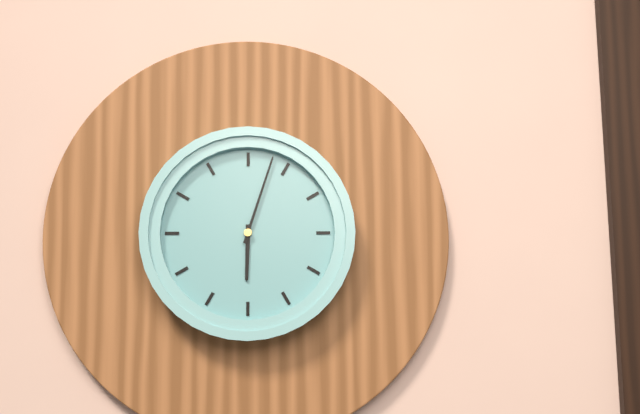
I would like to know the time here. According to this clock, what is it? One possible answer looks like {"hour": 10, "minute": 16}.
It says {"hour": 6, "minute": 3}
